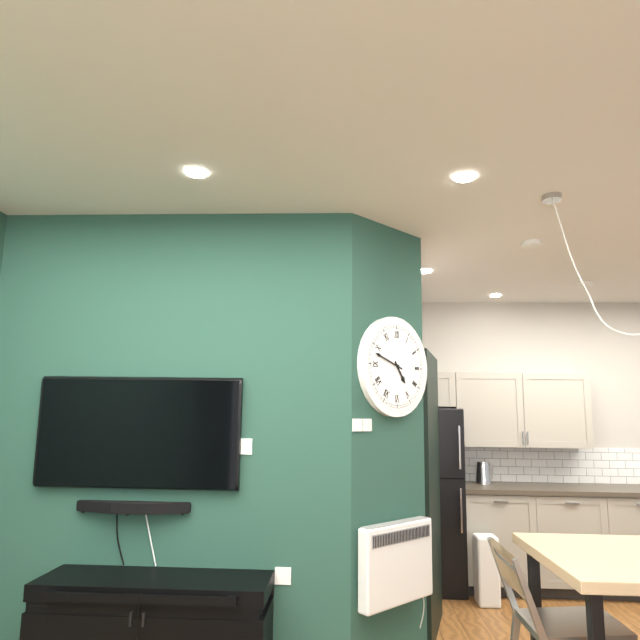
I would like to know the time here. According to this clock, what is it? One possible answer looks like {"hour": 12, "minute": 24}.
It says {"hour": 4, "minute": 48}
